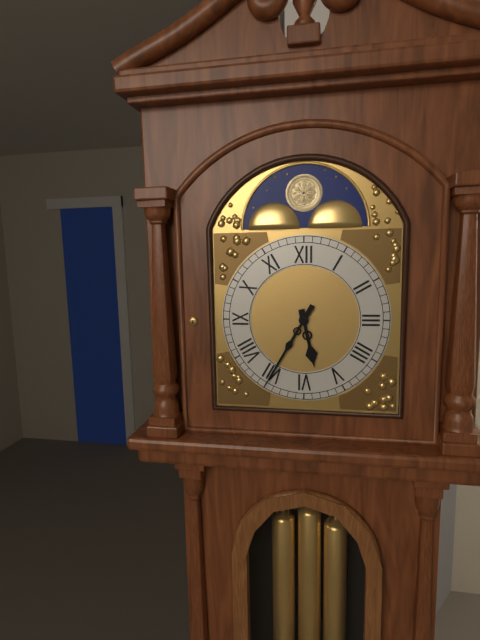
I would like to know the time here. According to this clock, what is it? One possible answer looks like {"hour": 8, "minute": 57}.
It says {"hour": 5, "minute": 35}
